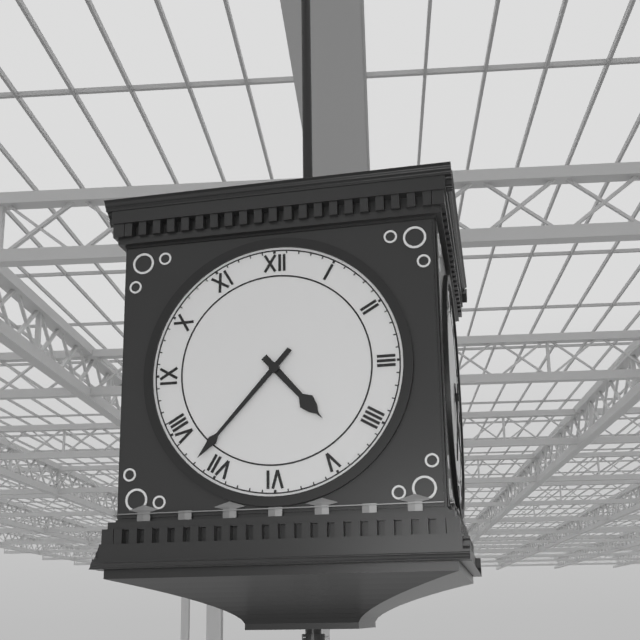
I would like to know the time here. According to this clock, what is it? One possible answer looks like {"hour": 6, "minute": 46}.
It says {"hour": 4, "minute": 37}
